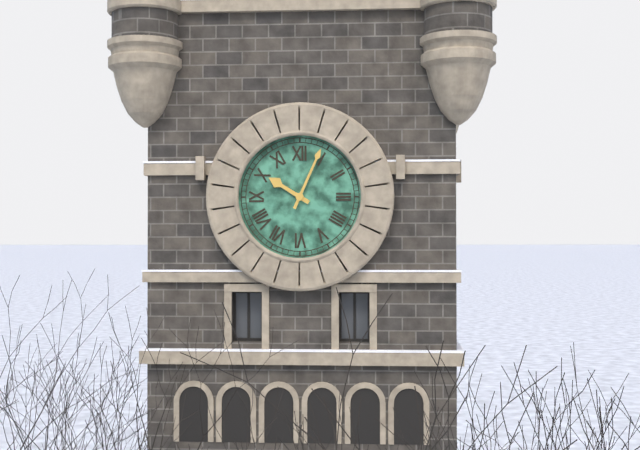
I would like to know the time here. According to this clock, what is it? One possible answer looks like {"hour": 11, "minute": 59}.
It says {"hour": 10, "minute": 4}
